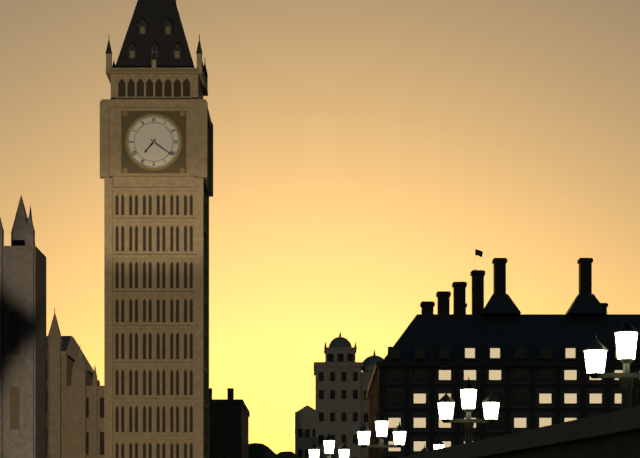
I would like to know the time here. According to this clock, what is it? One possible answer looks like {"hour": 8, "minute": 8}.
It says {"hour": 7, "minute": 21}
